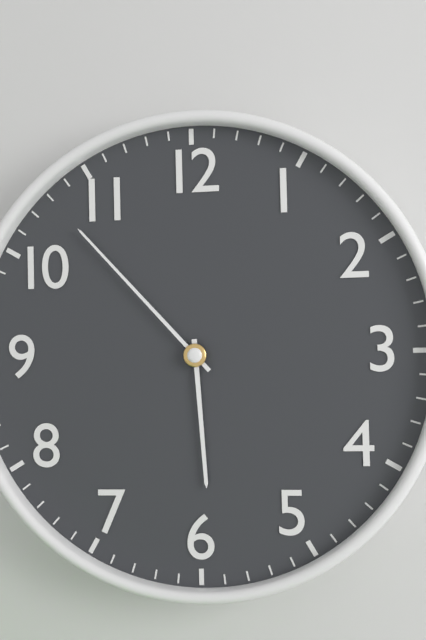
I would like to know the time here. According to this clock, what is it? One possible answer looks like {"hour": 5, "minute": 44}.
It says {"hour": 5, "minute": 53}
